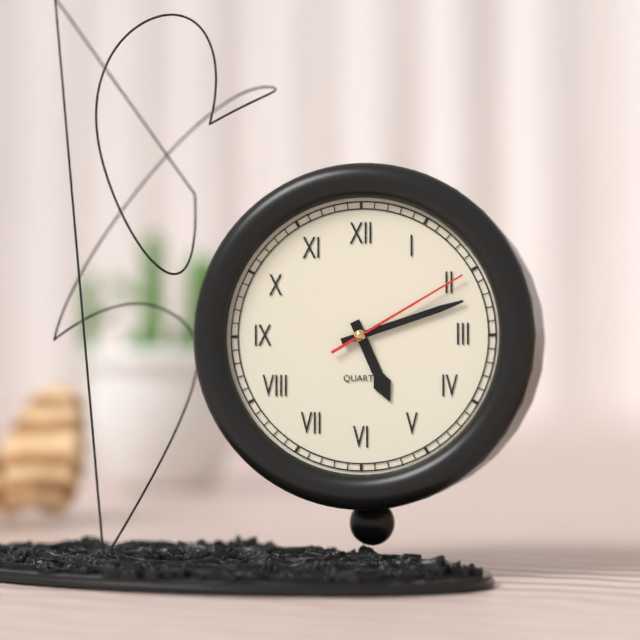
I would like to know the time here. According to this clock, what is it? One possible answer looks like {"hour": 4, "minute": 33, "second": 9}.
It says {"hour": 5, "minute": 12, "second": 10}
